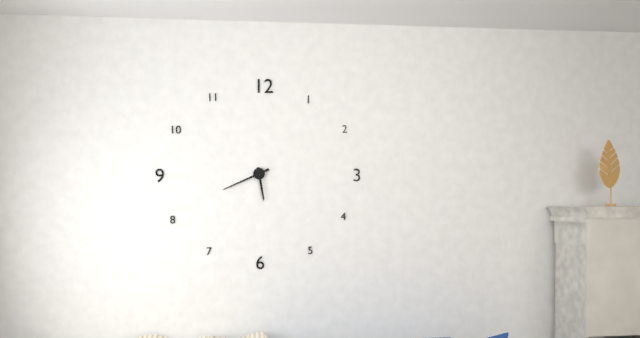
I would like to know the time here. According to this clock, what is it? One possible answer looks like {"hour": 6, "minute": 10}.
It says {"hour": 5, "minute": 41}
